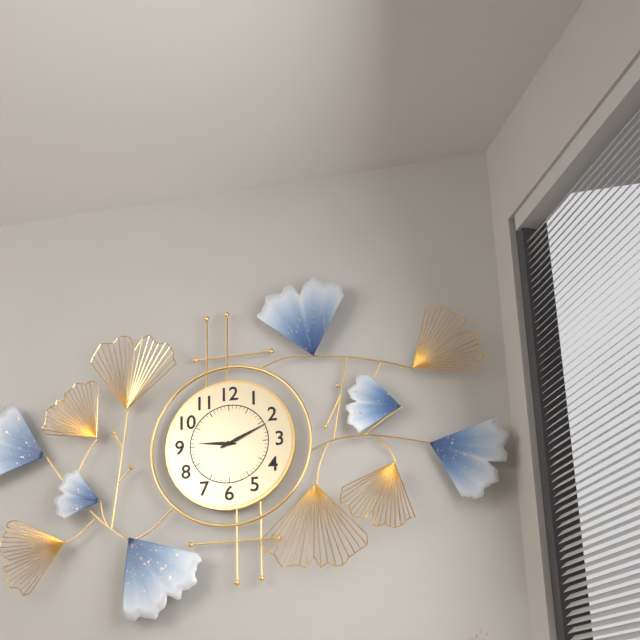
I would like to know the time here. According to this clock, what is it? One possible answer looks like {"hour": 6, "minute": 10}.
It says {"hour": 9, "minute": 11}
